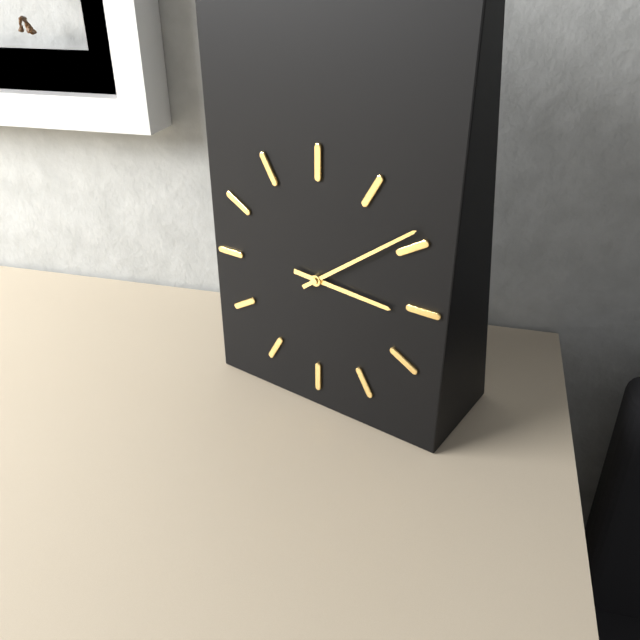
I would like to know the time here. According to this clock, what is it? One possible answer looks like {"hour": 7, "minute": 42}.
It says {"hour": 3, "minute": 9}
